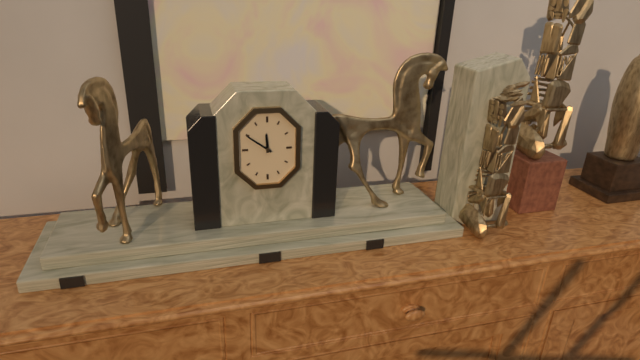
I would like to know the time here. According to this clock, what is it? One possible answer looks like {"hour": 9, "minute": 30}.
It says {"hour": 11, "minute": 51}
